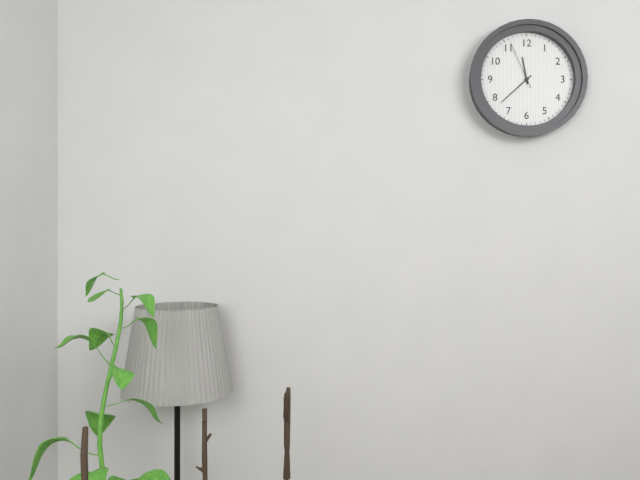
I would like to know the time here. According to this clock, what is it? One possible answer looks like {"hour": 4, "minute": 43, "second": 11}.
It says {"hour": 11, "minute": 38, "second": 56}
